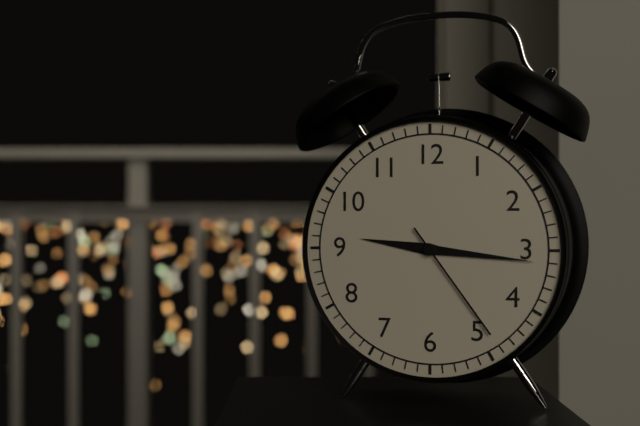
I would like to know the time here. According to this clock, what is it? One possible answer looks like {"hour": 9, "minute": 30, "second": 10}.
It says {"hour": 9, "minute": 16, "second": 24}
